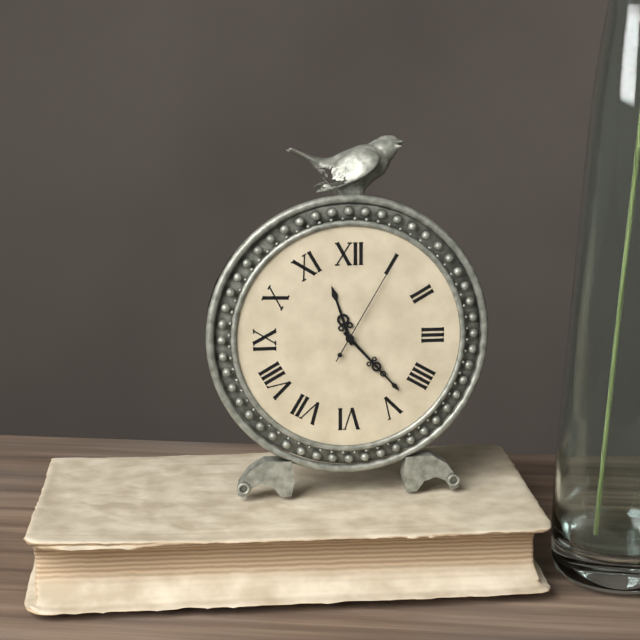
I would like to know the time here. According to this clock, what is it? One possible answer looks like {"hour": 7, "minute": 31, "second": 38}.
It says {"hour": 11, "minute": 23, "second": 5}
